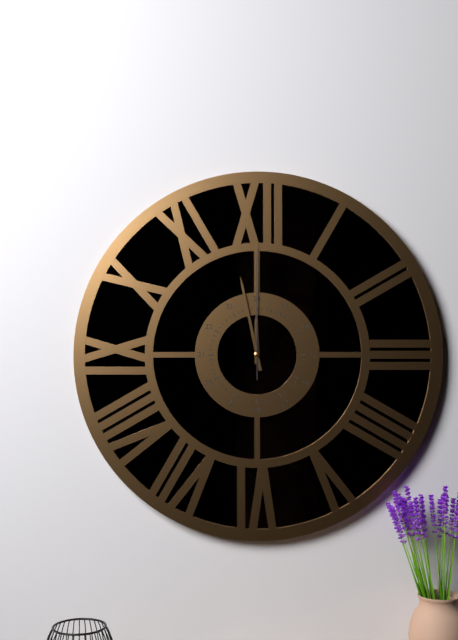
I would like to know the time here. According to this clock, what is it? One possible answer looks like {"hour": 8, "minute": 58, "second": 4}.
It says {"hour": 11, "minute": 58, "second": 0}
